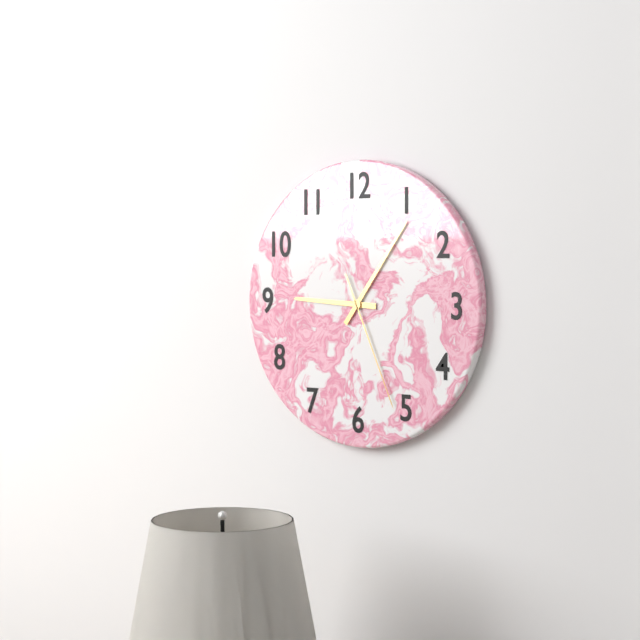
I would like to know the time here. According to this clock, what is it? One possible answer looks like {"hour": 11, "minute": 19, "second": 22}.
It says {"hour": 9, "minute": 6, "second": 26}
